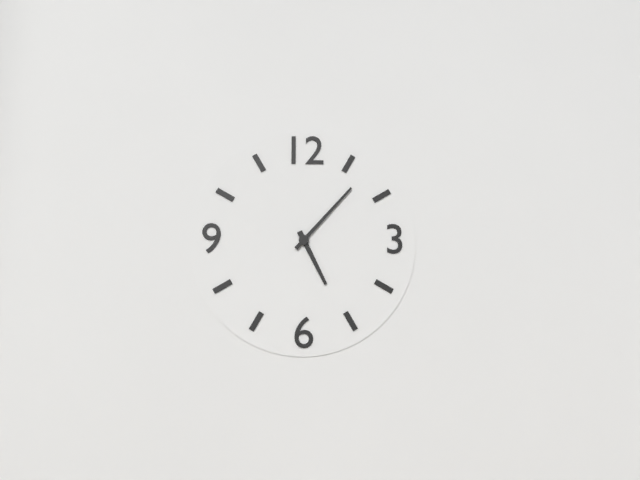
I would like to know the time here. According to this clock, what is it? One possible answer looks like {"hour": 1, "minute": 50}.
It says {"hour": 5, "minute": 7}
